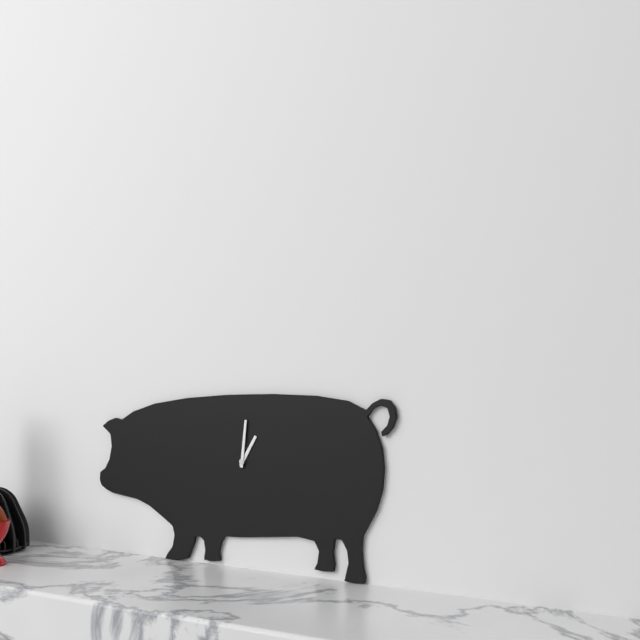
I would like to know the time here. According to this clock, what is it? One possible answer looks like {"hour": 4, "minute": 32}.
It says {"hour": 1, "minute": 1}
